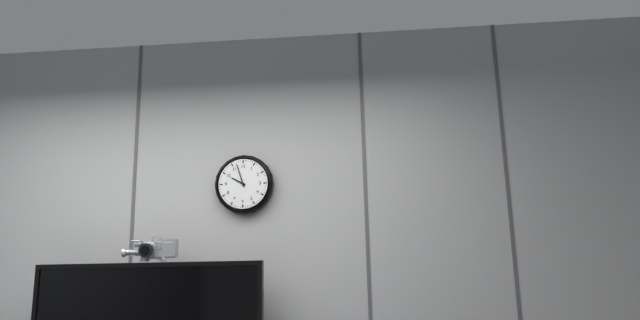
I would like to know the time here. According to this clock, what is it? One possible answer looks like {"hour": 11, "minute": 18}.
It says {"hour": 9, "minute": 57}
